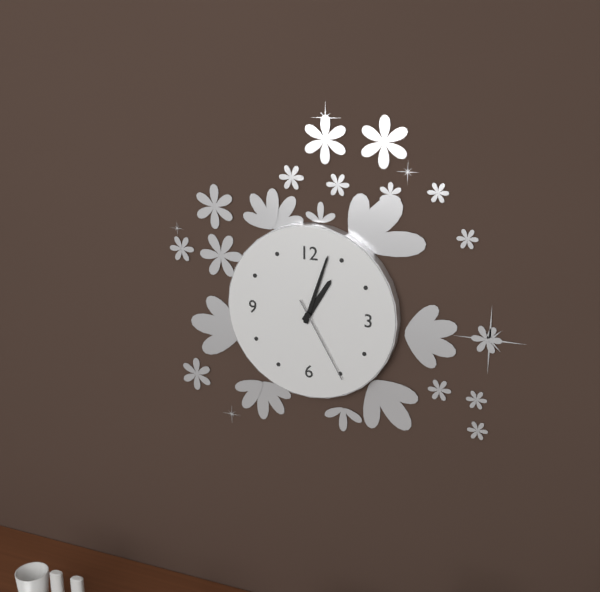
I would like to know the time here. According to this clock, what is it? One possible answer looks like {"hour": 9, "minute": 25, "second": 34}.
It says {"hour": 1, "minute": 3, "second": 25}
